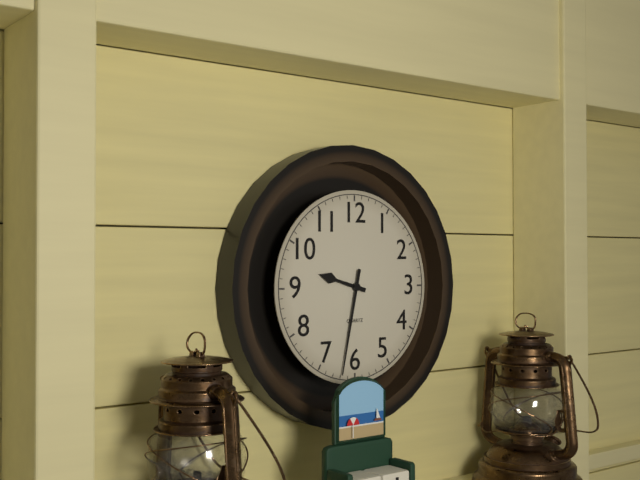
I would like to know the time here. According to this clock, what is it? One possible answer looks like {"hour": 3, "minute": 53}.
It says {"hour": 9, "minute": 32}
